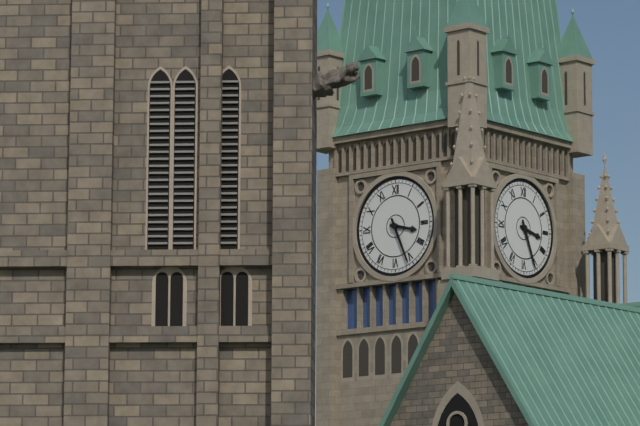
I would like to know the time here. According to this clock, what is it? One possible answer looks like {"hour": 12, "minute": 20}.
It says {"hour": 3, "minute": 26}
